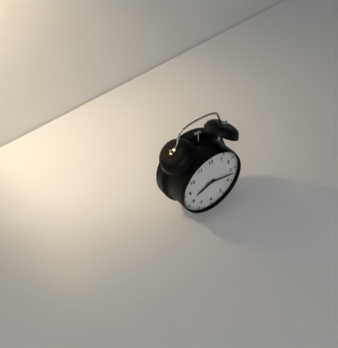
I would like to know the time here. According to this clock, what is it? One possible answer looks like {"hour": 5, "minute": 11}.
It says {"hour": 8, "minute": 17}
